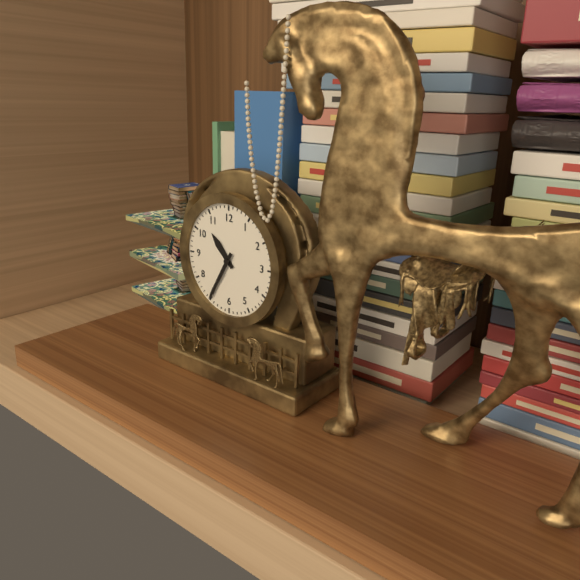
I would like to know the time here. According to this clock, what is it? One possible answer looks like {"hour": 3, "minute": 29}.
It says {"hour": 10, "minute": 35}
